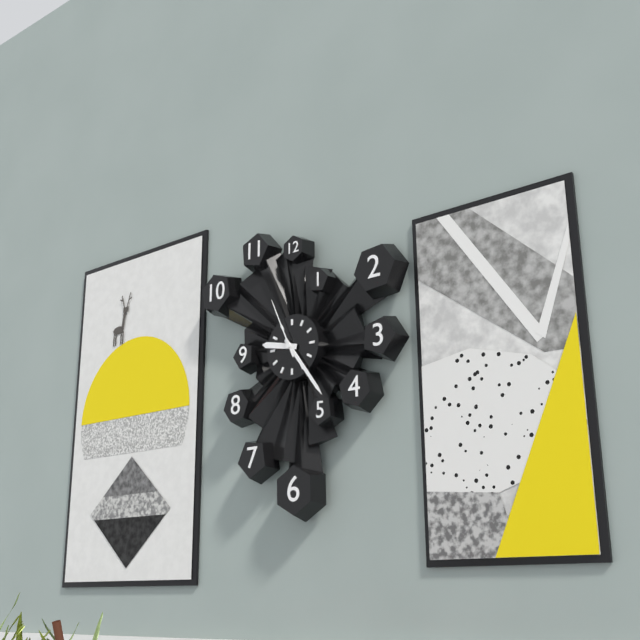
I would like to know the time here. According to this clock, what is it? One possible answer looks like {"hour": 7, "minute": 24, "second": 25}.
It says {"hour": 9, "minute": 24, "second": 56}
